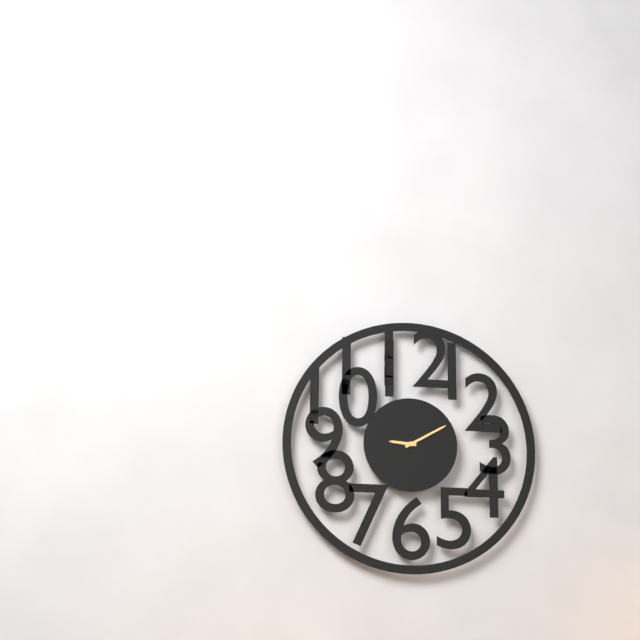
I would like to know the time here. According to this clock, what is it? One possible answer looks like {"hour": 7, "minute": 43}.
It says {"hour": 9, "minute": 10}
